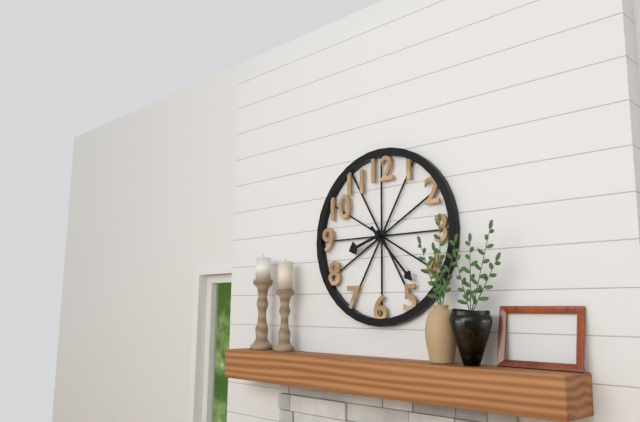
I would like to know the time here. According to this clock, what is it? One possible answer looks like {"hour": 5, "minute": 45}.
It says {"hour": 8, "minute": 23}
